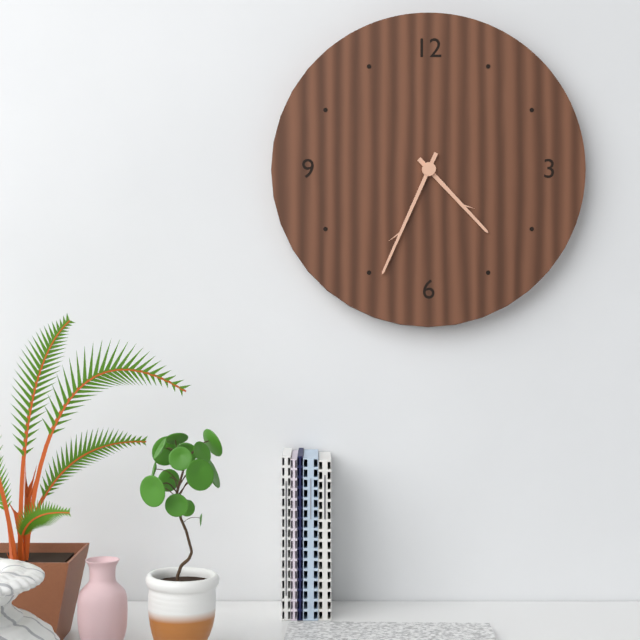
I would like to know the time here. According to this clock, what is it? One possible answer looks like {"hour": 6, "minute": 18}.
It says {"hour": 4, "minute": 34}
